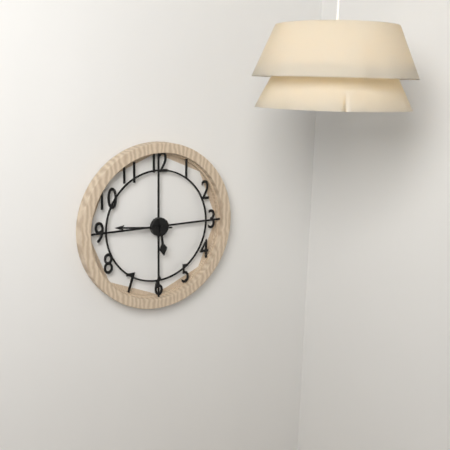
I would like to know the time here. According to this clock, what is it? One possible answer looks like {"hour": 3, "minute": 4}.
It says {"hour": 5, "minute": 46}
